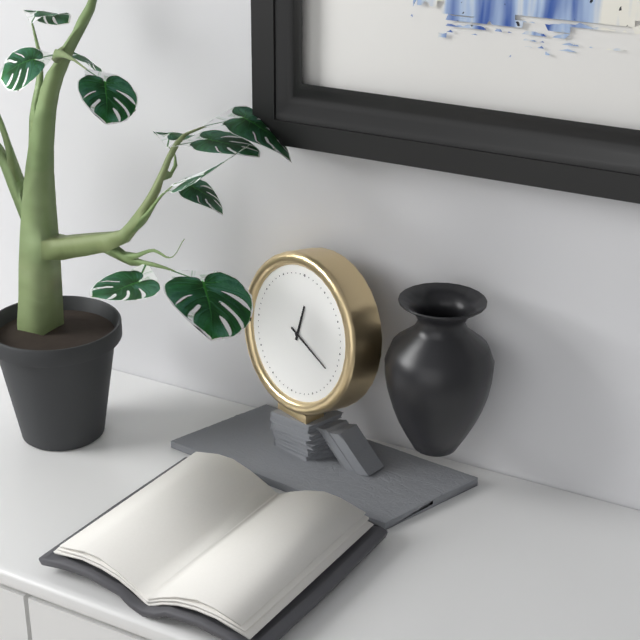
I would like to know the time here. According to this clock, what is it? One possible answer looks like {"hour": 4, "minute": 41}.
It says {"hour": 12, "minute": 19}
